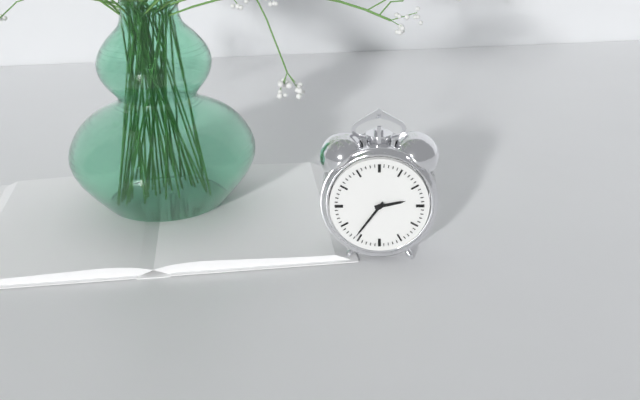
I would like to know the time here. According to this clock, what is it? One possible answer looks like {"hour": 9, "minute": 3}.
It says {"hour": 2, "minute": 36}
